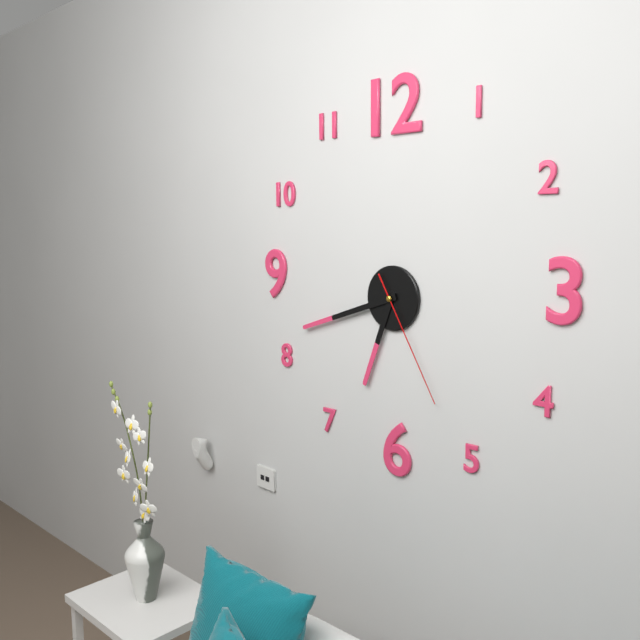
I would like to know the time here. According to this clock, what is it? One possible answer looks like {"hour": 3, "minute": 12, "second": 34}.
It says {"hour": 6, "minute": 42, "second": 25}
